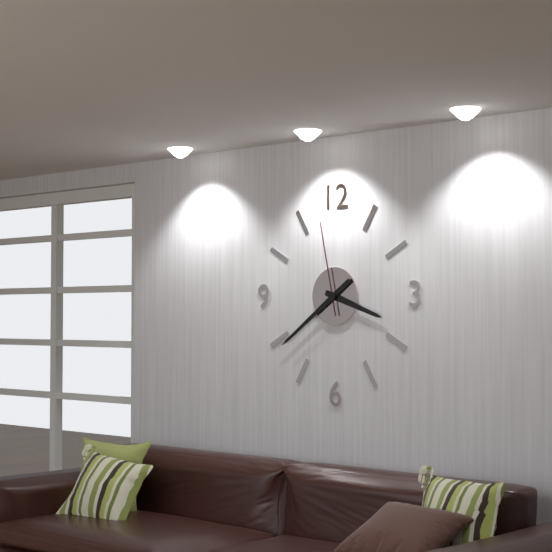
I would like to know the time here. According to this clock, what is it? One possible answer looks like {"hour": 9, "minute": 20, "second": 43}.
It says {"hour": 3, "minute": 39, "second": 58}
